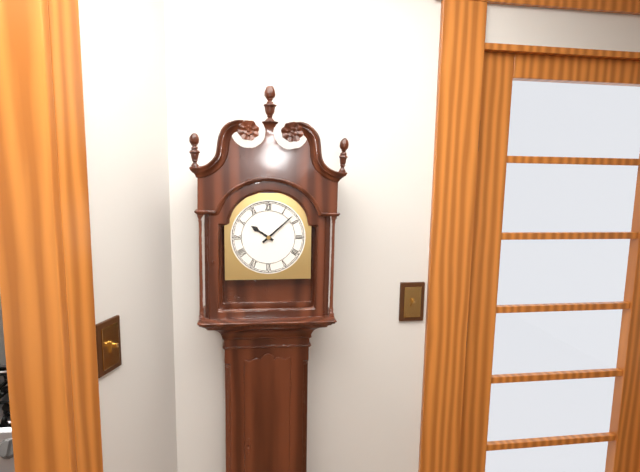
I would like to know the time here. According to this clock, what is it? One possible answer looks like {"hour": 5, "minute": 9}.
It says {"hour": 10, "minute": 8}
